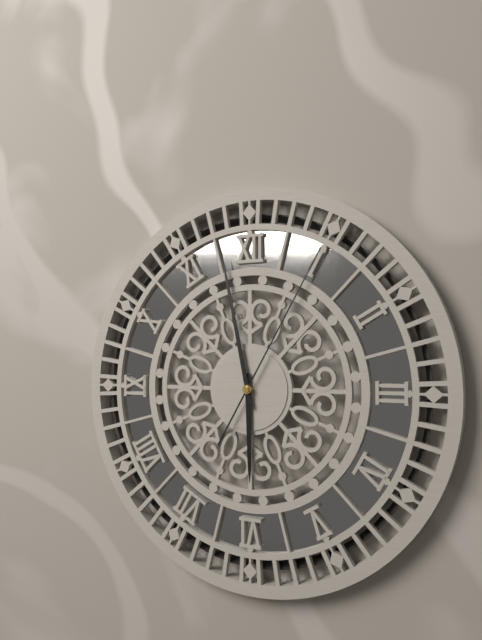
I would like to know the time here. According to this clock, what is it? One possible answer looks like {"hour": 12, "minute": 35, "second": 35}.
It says {"hour": 5, "minute": 58, "second": 5}
